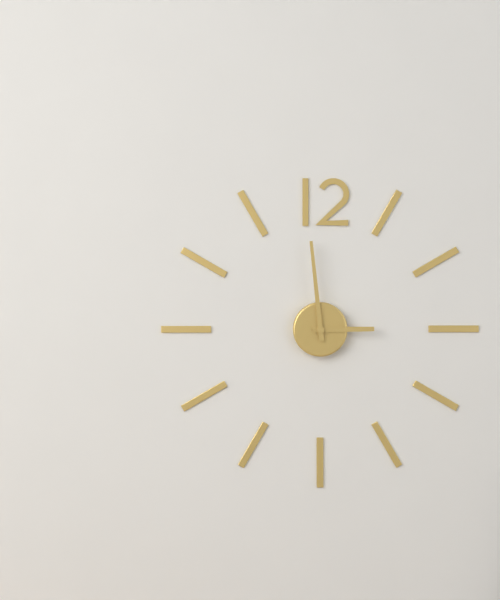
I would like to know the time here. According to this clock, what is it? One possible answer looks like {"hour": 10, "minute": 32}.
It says {"hour": 2, "minute": 59}
